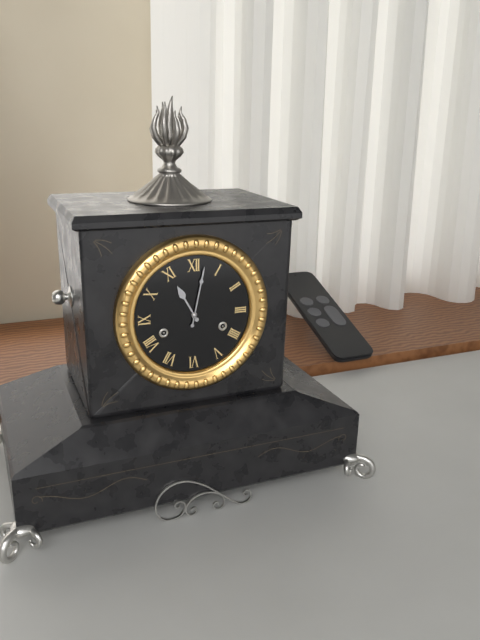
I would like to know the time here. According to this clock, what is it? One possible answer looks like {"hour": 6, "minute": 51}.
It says {"hour": 11, "minute": 2}
